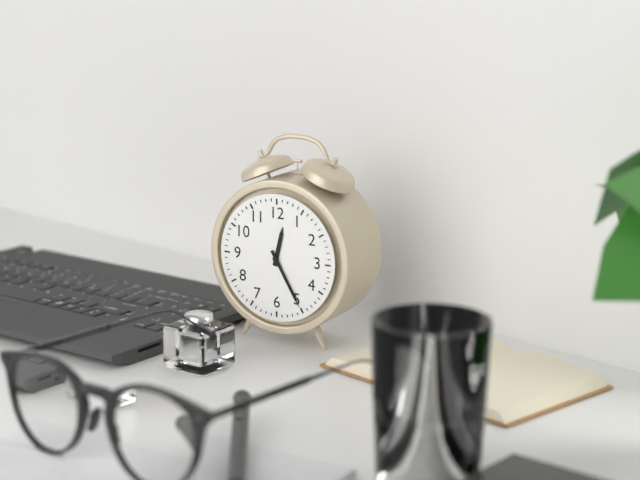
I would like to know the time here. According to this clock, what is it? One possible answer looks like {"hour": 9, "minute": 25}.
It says {"hour": 12, "minute": 25}
